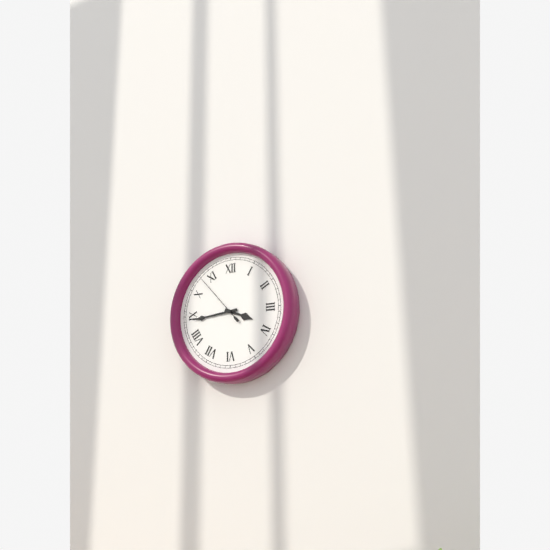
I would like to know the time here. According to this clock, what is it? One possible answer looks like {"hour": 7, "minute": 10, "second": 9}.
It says {"hour": 3, "minute": 44, "second": 53}
